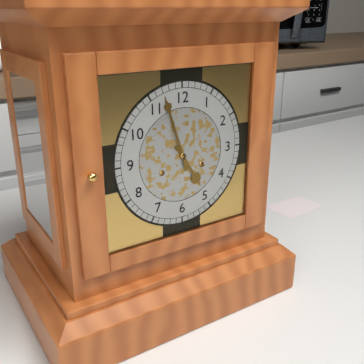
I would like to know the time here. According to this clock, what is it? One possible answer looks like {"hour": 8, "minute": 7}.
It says {"hour": 4, "minute": 57}
